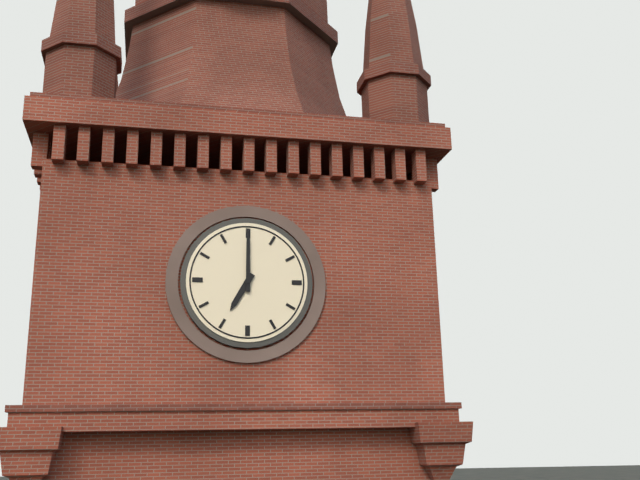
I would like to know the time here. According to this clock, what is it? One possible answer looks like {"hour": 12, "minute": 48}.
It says {"hour": 7, "minute": 0}
